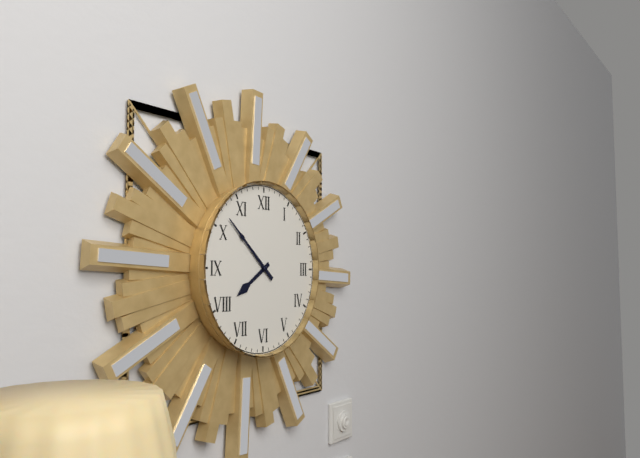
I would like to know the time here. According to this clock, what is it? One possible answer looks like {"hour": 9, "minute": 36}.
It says {"hour": 7, "minute": 52}
